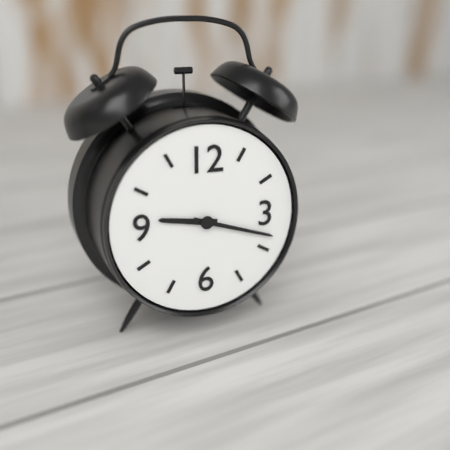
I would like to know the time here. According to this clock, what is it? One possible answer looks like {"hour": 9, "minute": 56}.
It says {"hour": 9, "minute": 18}
